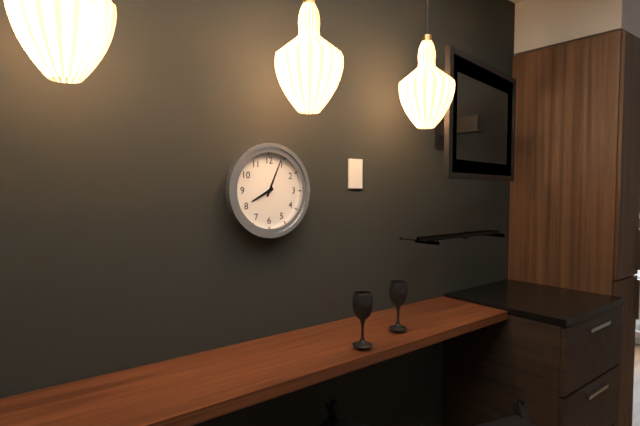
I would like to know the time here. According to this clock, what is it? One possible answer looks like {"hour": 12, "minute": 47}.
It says {"hour": 8, "minute": 4}
